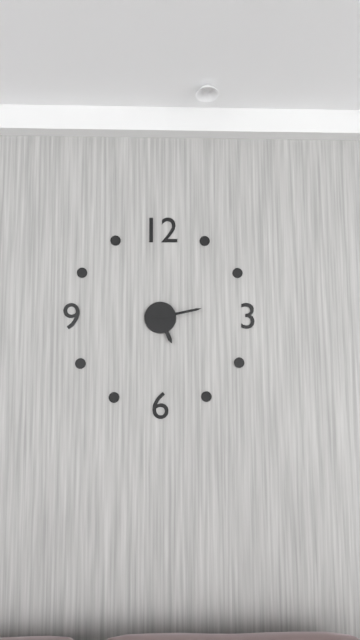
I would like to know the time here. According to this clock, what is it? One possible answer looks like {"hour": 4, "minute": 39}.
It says {"hour": 5, "minute": 13}
